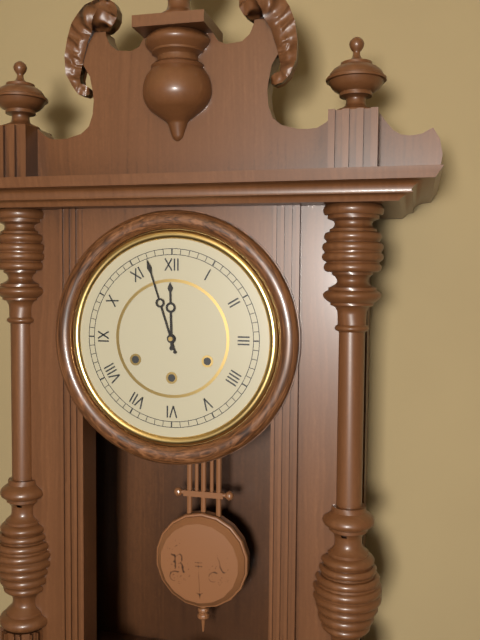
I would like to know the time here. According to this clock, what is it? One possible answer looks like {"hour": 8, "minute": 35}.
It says {"hour": 11, "minute": 57}
